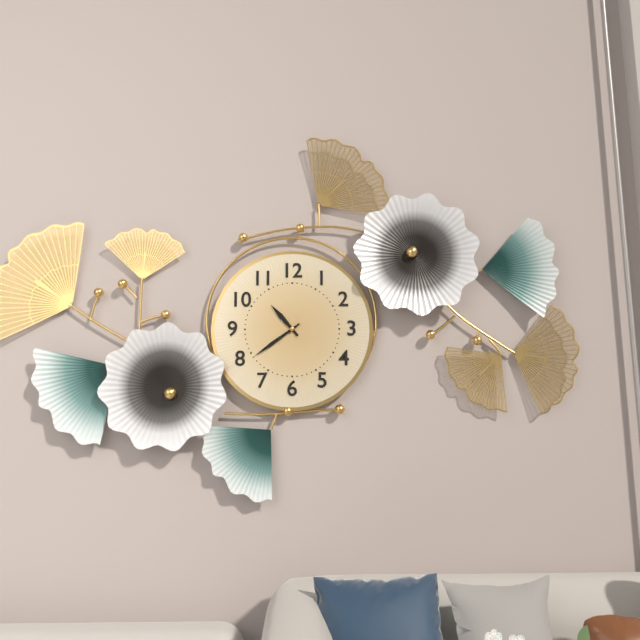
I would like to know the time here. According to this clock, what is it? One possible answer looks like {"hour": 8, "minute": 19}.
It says {"hour": 10, "minute": 39}
